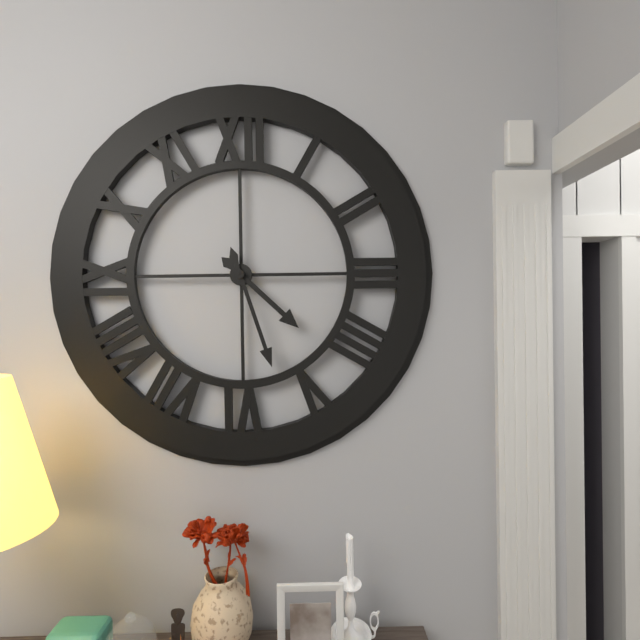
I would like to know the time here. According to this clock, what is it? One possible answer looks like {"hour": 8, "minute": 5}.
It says {"hour": 4, "minute": 27}
